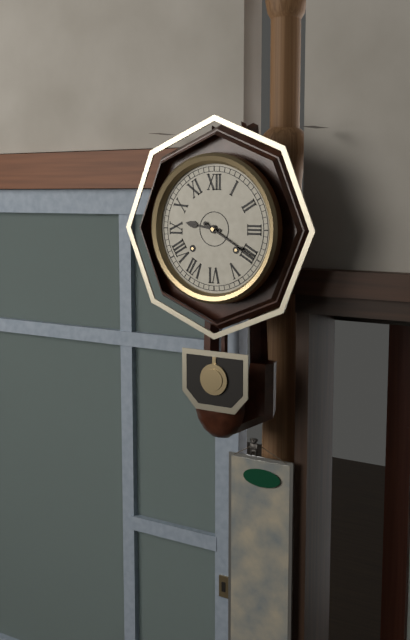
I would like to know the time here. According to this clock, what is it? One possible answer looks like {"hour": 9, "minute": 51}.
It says {"hour": 9, "minute": 20}
